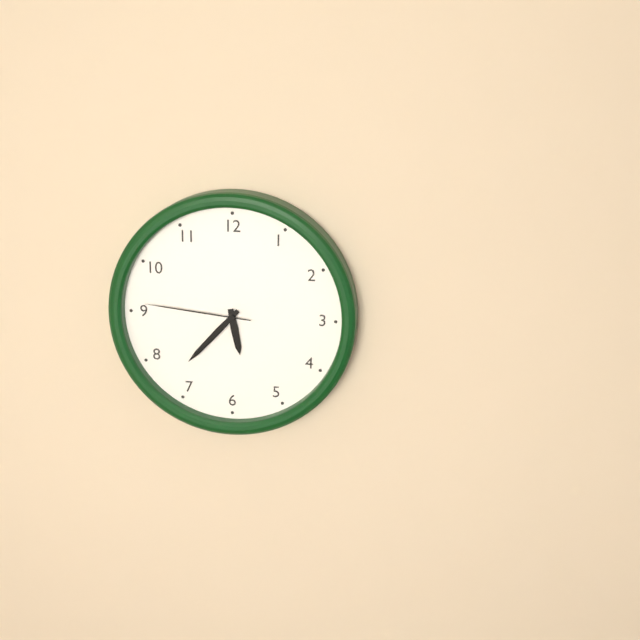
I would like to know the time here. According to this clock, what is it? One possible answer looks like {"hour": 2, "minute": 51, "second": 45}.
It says {"hour": 5, "minute": 37, "second": 46}
